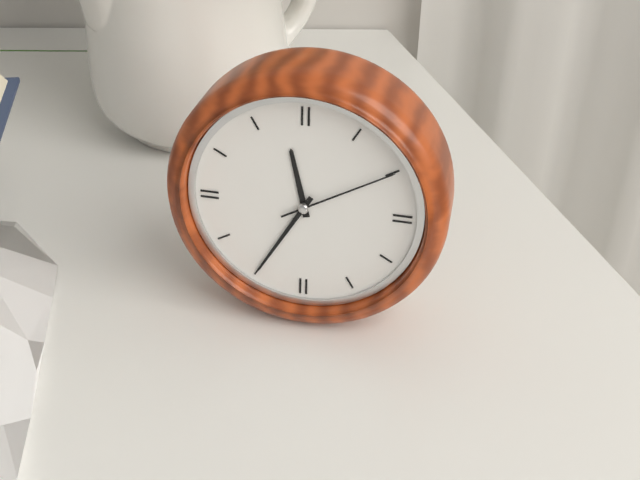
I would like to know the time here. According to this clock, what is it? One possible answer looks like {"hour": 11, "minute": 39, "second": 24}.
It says {"hour": 11, "minute": 35, "second": 10}
